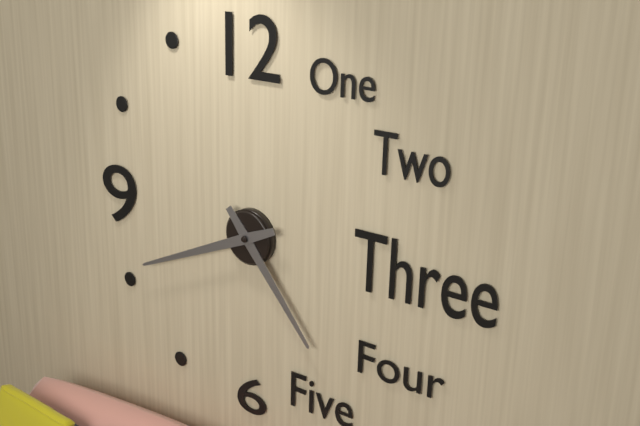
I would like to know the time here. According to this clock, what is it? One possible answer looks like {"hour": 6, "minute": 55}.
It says {"hour": 4, "minute": 41}
